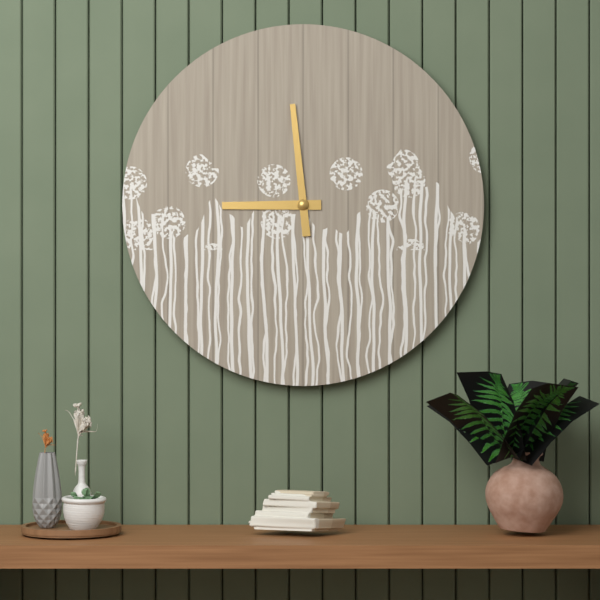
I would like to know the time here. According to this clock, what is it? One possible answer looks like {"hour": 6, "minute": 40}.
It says {"hour": 8, "minute": 59}
